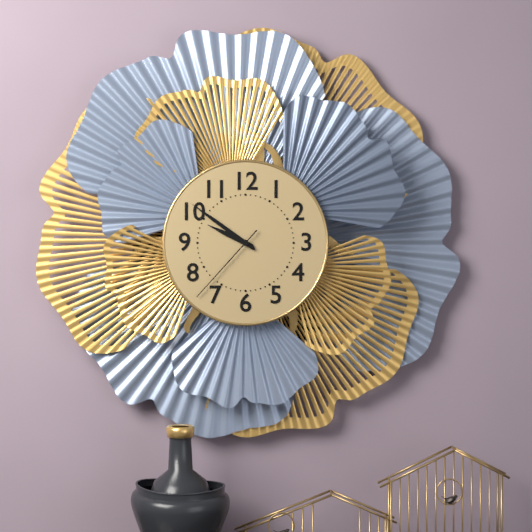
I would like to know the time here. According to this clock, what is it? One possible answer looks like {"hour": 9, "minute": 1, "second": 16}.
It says {"hour": 9, "minute": 51, "second": 37}
